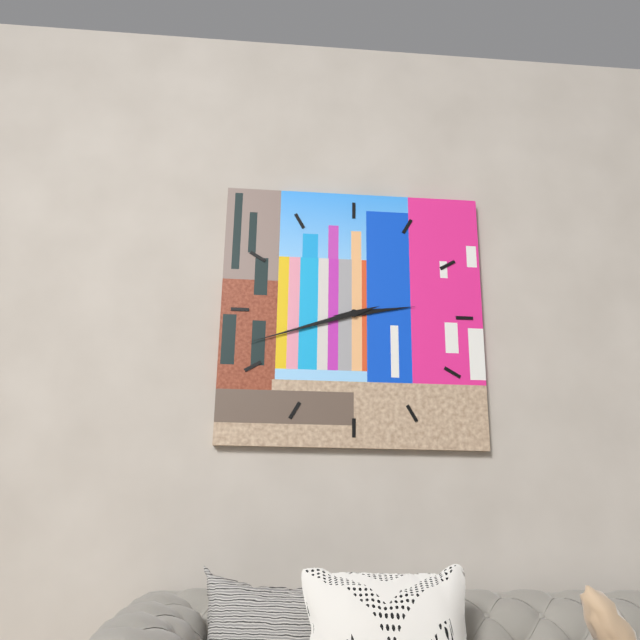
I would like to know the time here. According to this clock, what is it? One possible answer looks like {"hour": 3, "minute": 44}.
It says {"hour": 2, "minute": 42}
